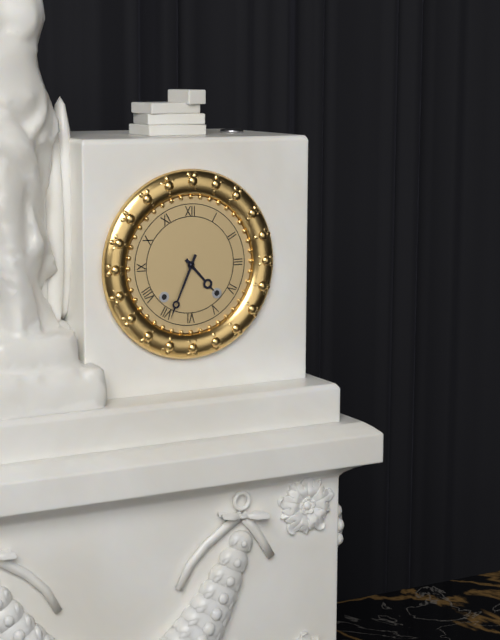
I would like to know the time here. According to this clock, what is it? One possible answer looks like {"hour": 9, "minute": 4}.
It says {"hour": 4, "minute": 34}
